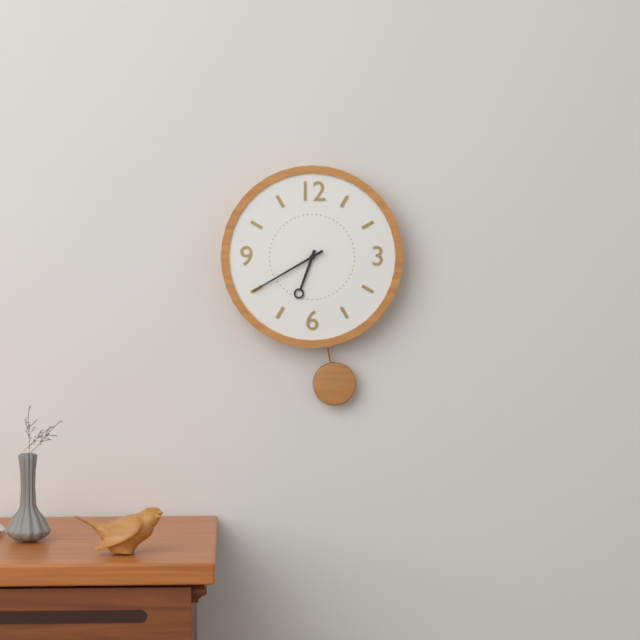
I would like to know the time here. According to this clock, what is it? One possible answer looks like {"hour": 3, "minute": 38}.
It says {"hour": 6, "minute": 40}
